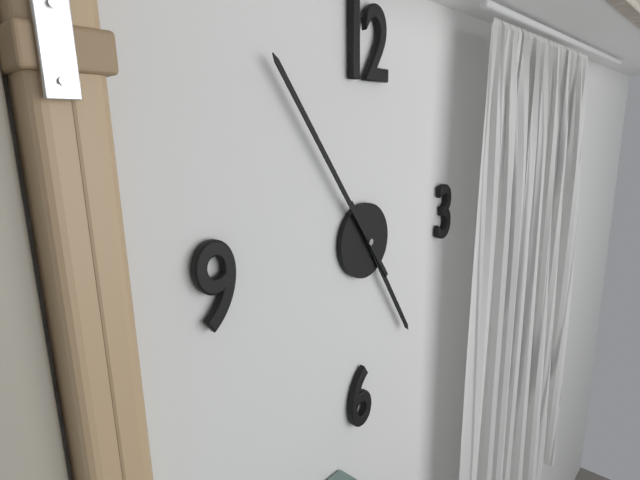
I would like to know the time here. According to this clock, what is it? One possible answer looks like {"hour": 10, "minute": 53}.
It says {"hour": 4, "minute": 54}
